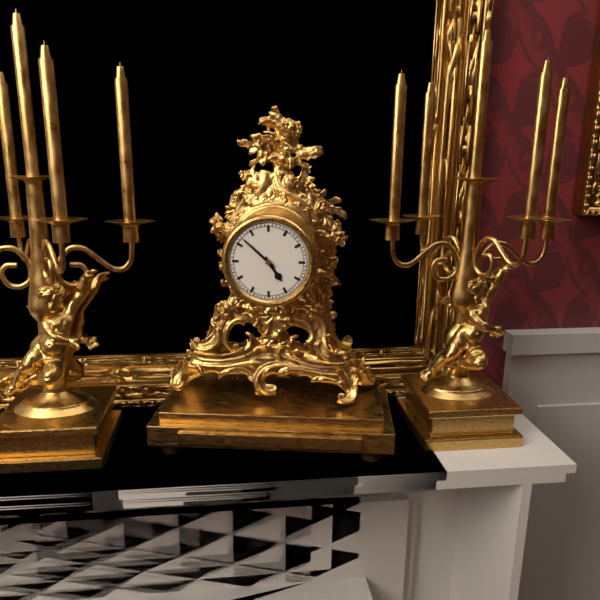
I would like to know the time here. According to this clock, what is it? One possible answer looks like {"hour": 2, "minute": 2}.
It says {"hour": 4, "minute": 52}
